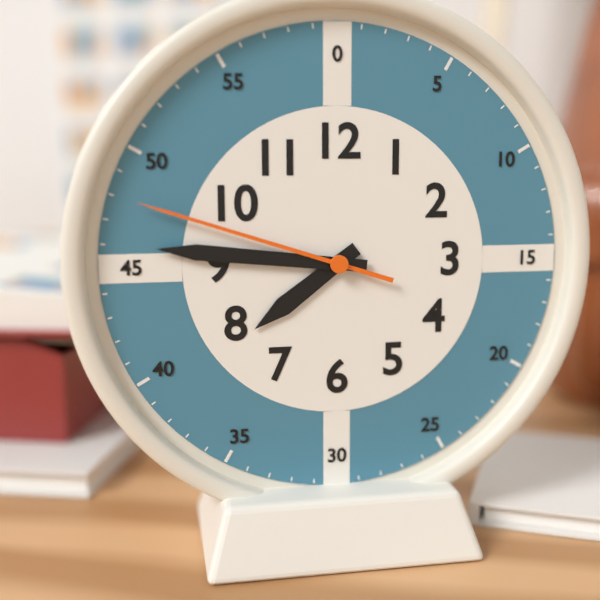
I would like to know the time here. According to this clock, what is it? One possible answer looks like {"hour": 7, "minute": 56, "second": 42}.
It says {"hour": 7, "minute": 46, "second": 48}
